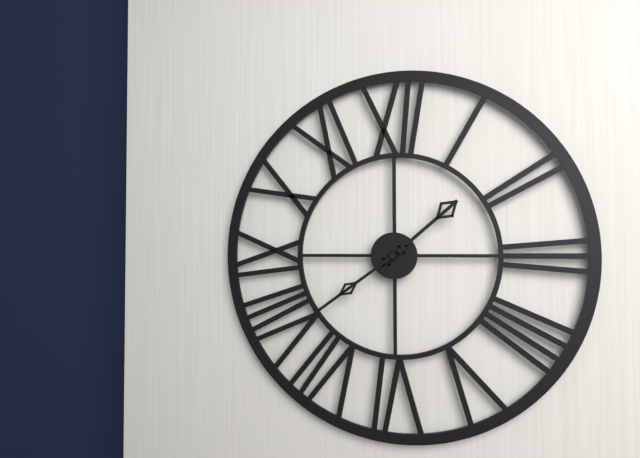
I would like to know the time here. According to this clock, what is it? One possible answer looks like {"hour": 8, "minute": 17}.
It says {"hour": 1, "minute": 39}
